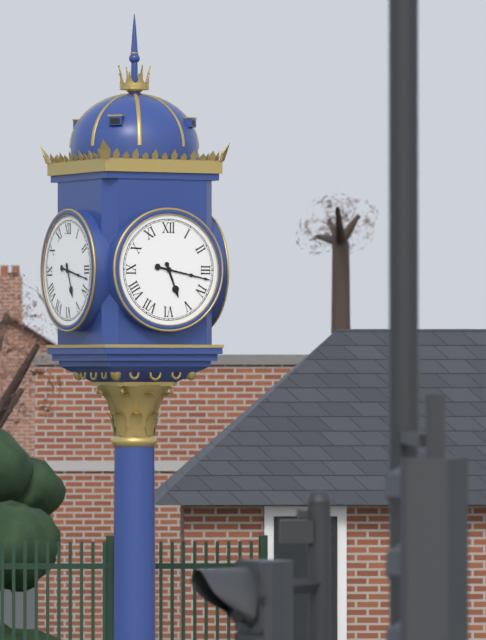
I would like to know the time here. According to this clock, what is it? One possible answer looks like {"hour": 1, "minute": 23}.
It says {"hour": 5, "minute": 17}
